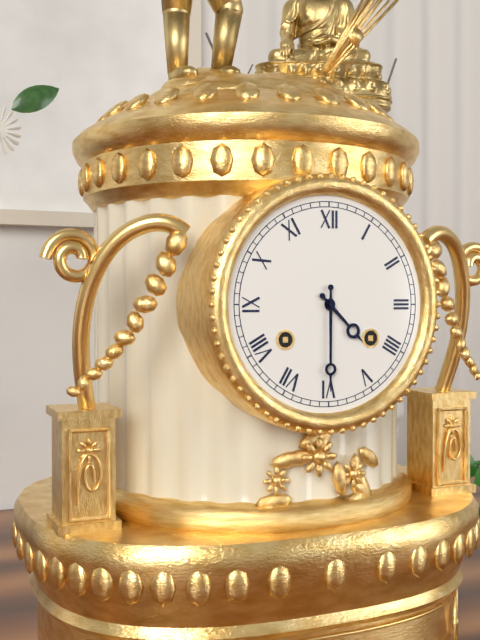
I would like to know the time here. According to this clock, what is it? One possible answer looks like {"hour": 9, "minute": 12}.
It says {"hour": 4, "minute": 30}
